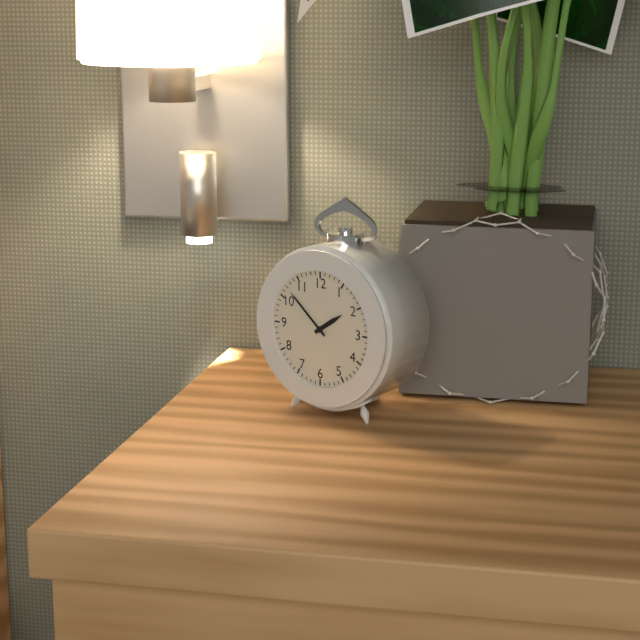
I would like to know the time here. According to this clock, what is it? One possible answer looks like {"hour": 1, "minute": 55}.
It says {"hour": 1, "minute": 52}
